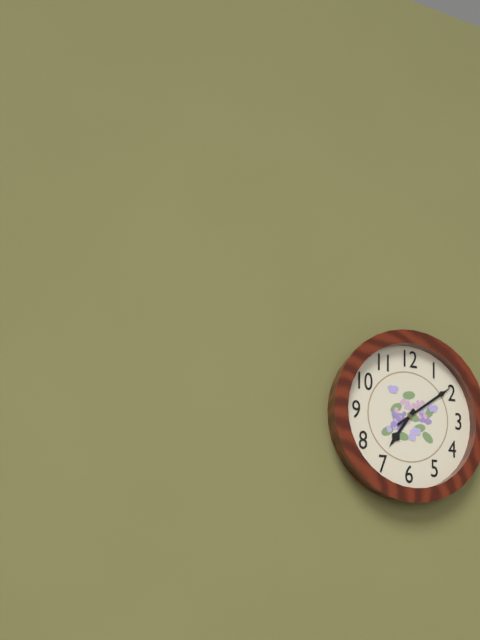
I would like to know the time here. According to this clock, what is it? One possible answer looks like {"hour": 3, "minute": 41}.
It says {"hour": 7, "minute": 9}
